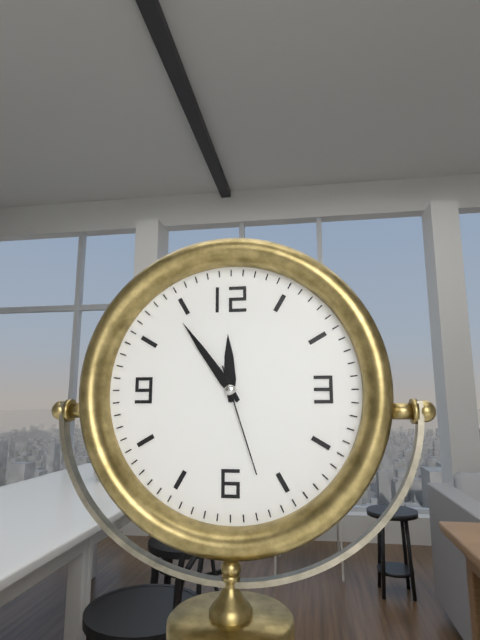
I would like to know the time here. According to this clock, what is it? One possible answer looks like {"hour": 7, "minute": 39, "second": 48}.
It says {"hour": 11, "minute": 54, "second": 27}
